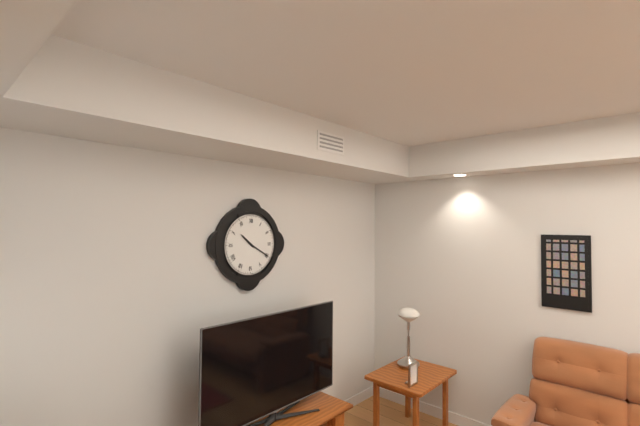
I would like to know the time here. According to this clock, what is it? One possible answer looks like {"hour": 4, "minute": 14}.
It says {"hour": 10, "minute": 20}
